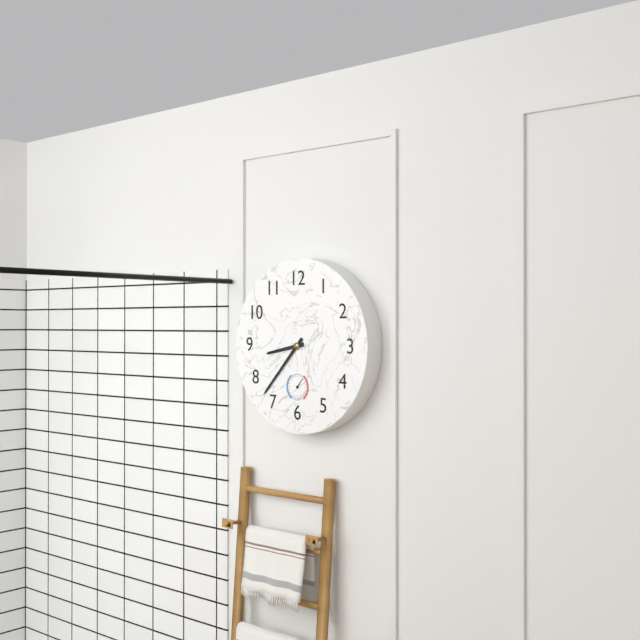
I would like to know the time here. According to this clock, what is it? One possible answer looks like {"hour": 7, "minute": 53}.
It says {"hour": 8, "minute": 37}
